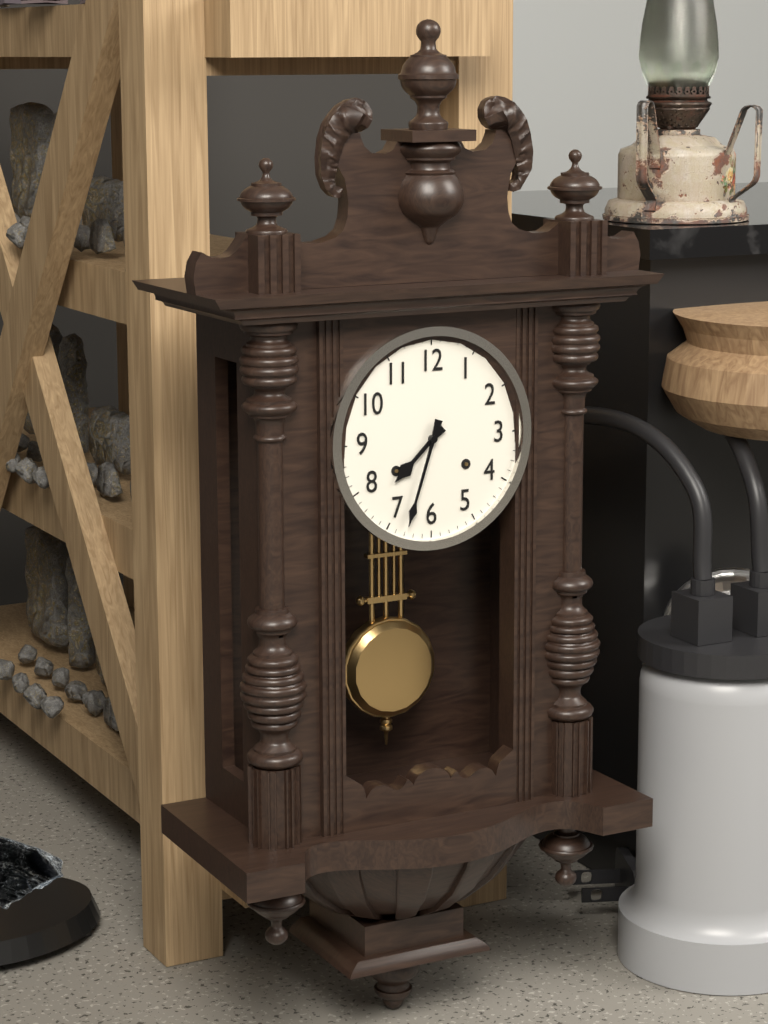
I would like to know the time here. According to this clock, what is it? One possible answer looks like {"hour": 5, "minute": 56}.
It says {"hour": 7, "minute": 33}
